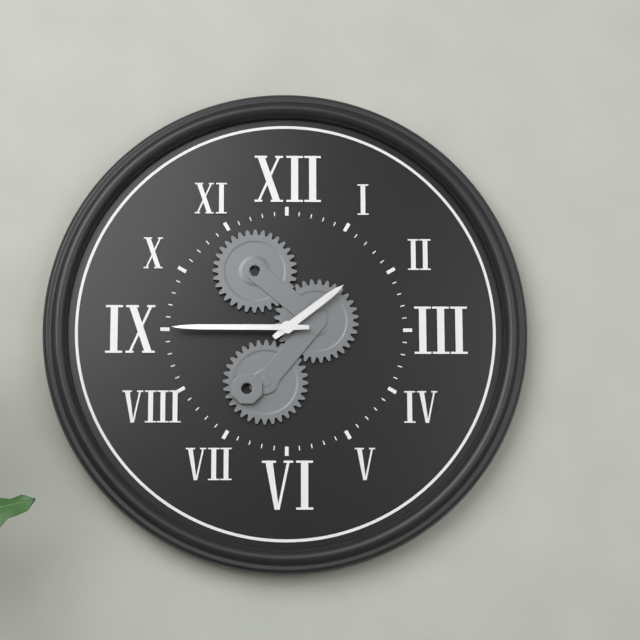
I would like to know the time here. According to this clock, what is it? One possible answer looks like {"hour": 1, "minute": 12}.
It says {"hour": 1, "minute": 45}
